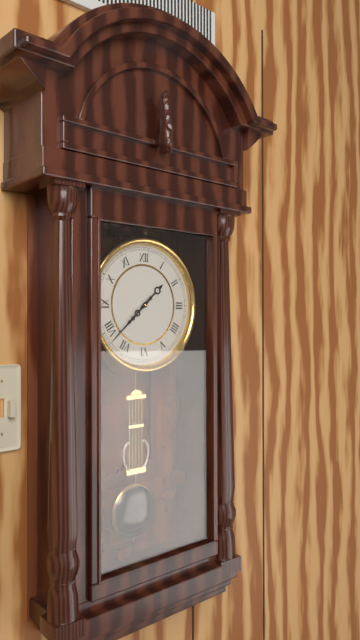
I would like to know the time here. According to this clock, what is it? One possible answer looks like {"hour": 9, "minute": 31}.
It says {"hour": 1, "minute": 38}
